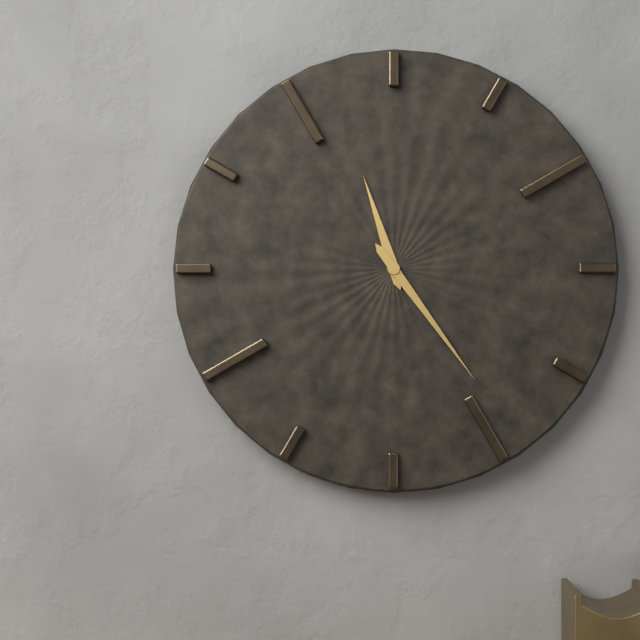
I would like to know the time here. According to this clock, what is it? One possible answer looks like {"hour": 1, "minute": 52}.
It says {"hour": 11, "minute": 24}
